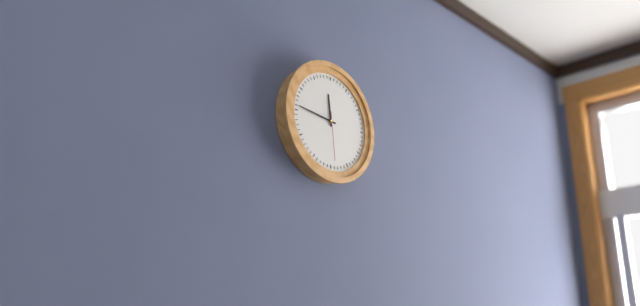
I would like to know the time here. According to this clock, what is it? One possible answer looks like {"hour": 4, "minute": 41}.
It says {"hour": 11, "minute": 46}
